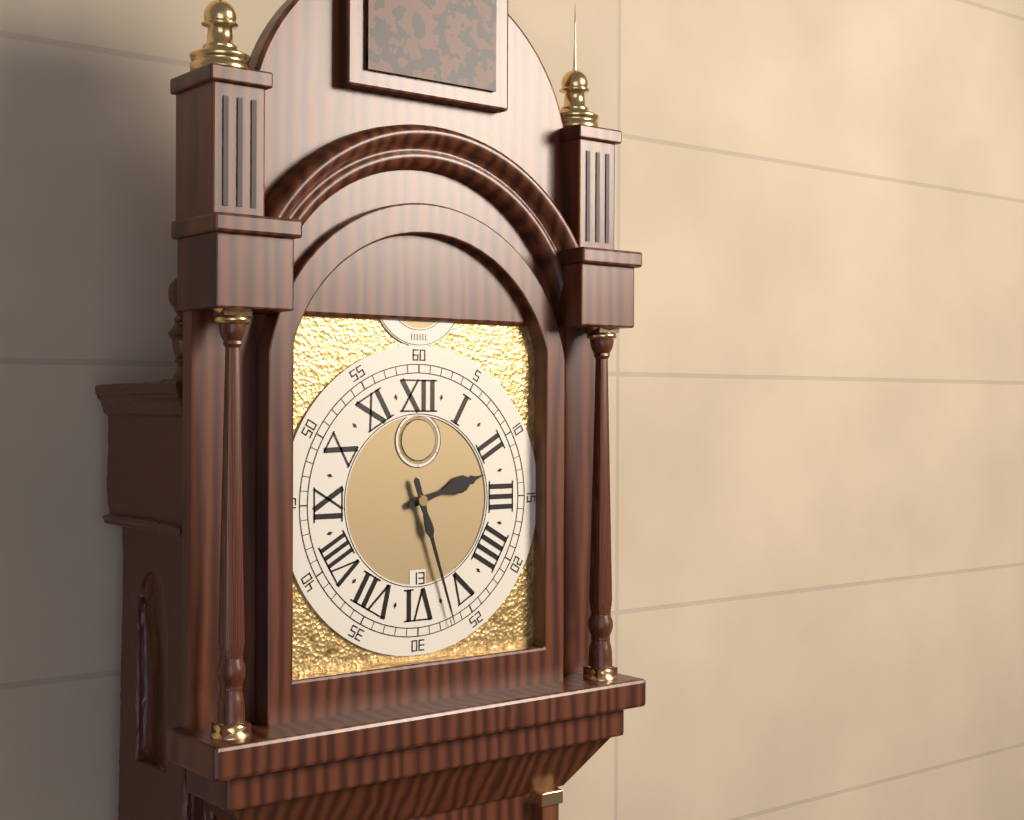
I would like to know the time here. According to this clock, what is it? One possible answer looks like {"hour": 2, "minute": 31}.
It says {"hour": 2, "minute": 27}
